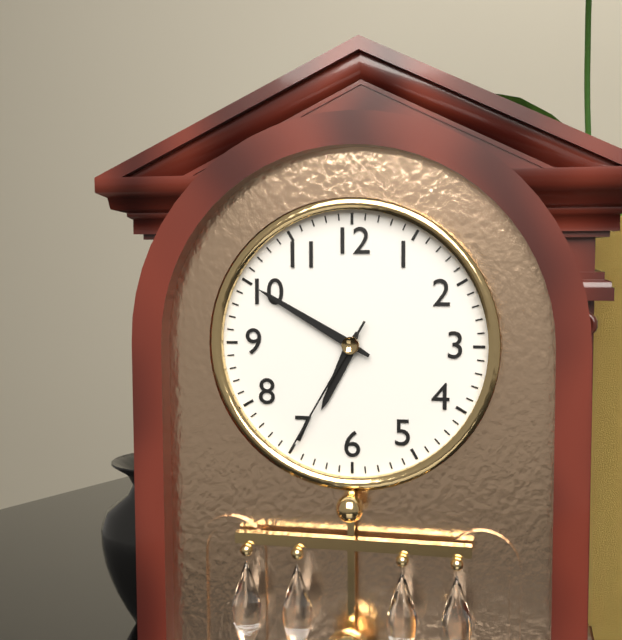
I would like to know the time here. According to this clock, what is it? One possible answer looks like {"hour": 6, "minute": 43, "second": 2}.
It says {"hour": 6, "minute": 50, "second": 35}
